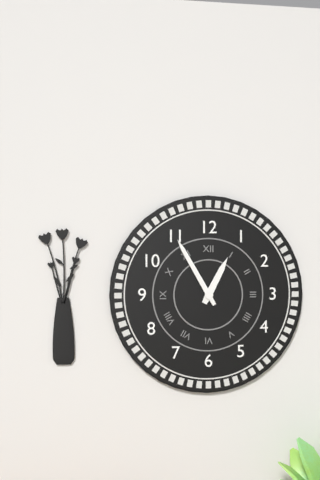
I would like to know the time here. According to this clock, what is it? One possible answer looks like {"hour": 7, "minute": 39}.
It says {"hour": 12, "minute": 55}
